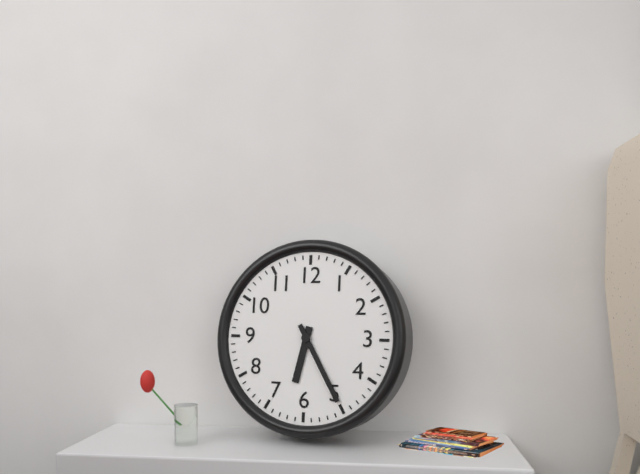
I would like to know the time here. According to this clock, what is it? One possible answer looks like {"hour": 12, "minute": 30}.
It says {"hour": 6, "minute": 25}
